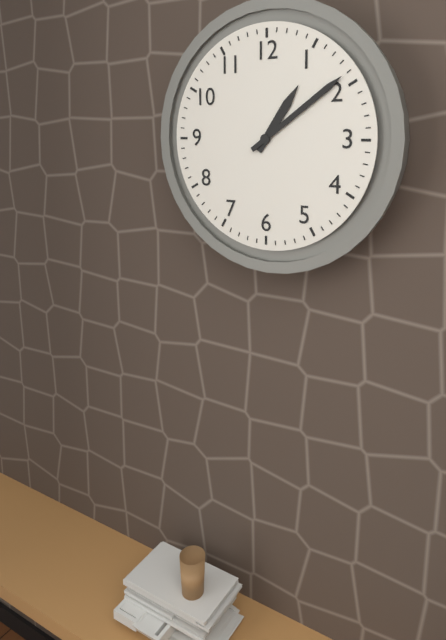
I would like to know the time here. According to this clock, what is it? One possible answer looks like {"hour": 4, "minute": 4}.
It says {"hour": 1, "minute": 9}
